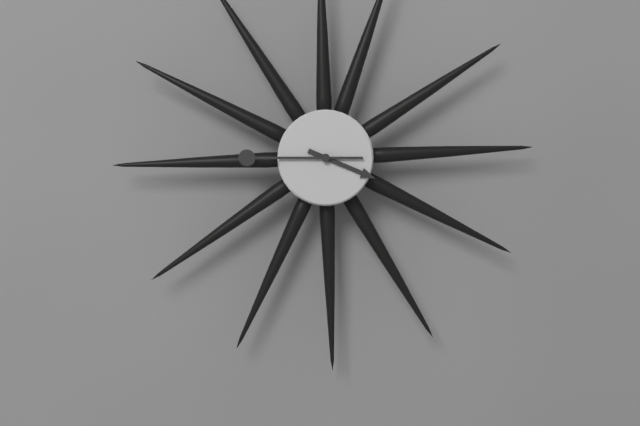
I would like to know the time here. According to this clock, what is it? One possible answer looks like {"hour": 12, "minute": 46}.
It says {"hour": 3, "minute": 45}
